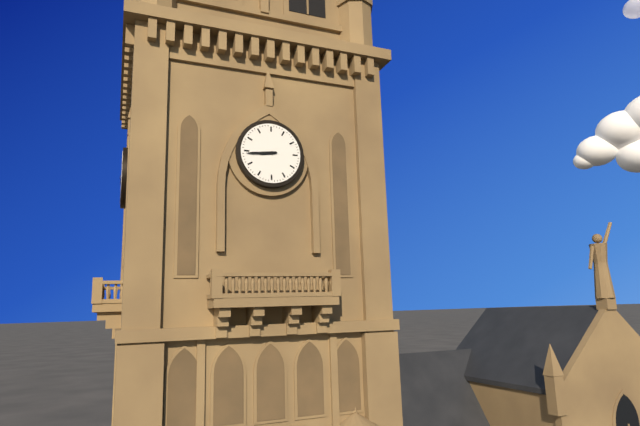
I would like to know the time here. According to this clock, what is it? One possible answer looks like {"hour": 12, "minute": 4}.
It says {"hour": 8, "minute": 44}
